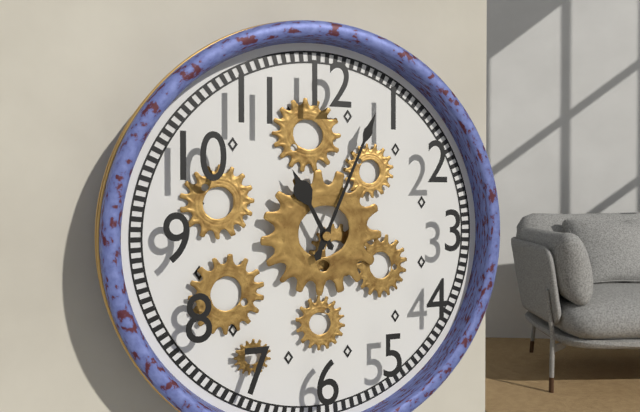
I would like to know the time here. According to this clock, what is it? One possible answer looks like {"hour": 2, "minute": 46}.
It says {"hour": 11, "minute": 4}
